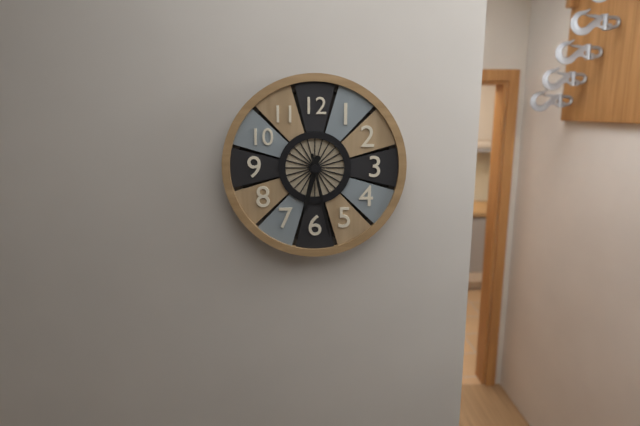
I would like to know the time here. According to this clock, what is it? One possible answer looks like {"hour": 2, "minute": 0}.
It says {"hour": 6, "minute": 28}
